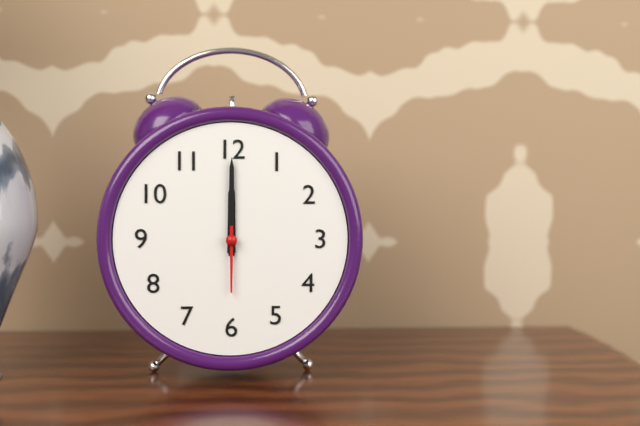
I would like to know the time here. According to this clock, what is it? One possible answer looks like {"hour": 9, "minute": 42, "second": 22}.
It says {"hour": 12, "minute": 0, "second": 30}
